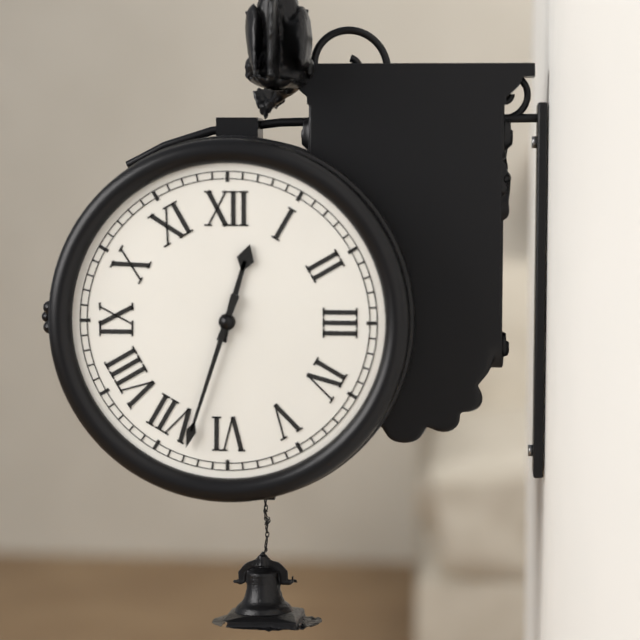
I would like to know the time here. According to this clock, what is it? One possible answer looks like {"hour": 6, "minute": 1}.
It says {"hour": 12, "minute": 33}
